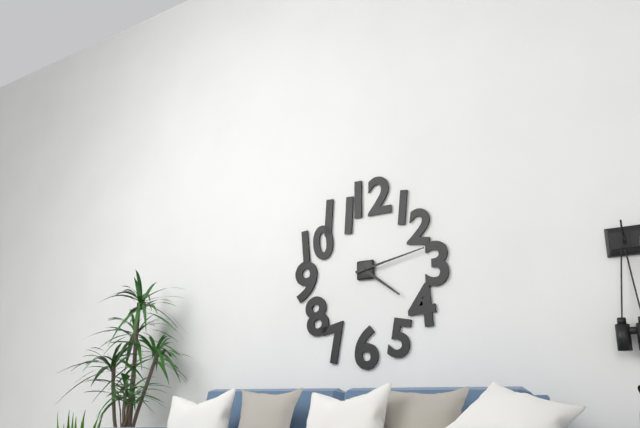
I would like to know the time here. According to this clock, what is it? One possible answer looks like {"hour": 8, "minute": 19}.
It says {"hour": 4, "minute": 13}
